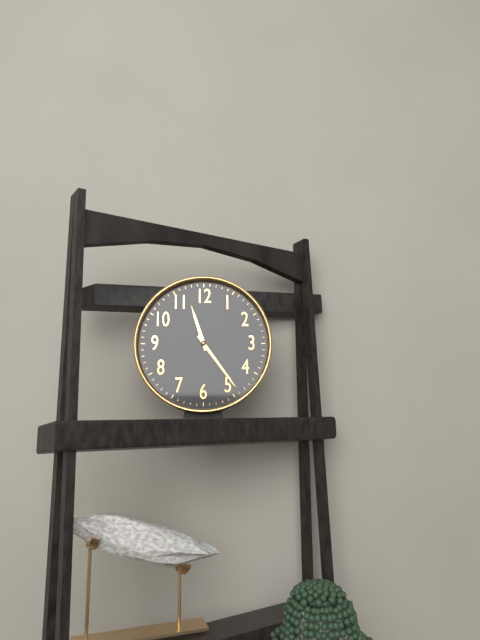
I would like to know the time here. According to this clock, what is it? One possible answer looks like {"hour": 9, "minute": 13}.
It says {"hour": 11, "minute": 24}
